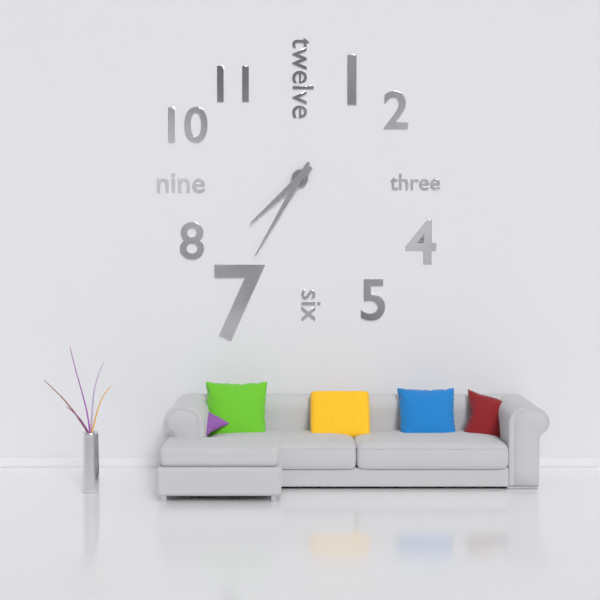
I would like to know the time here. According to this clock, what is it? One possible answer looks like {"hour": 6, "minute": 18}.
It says {"hour": 7, "minute": 35}
